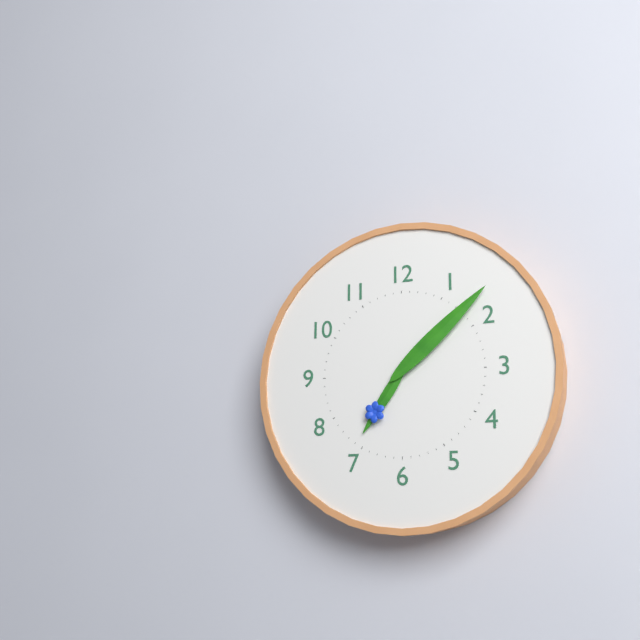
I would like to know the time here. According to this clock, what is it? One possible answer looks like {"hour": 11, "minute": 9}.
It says {"hour": 7, "minute": 8}
